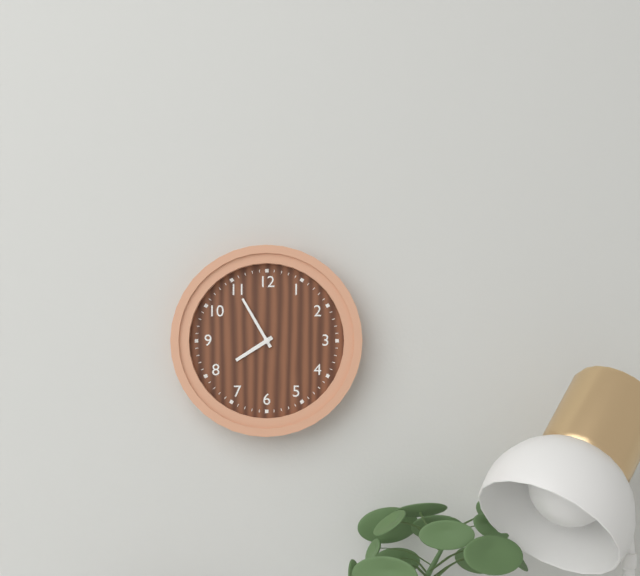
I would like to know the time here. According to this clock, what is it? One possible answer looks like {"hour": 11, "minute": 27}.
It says {"hour": 7, "minute": 55}
